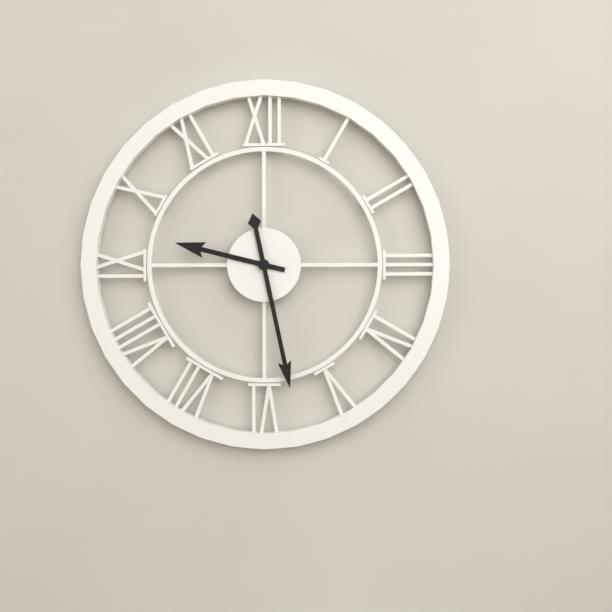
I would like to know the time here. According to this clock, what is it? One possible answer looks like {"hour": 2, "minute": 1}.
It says {"hour": 9, "minute": 28}
